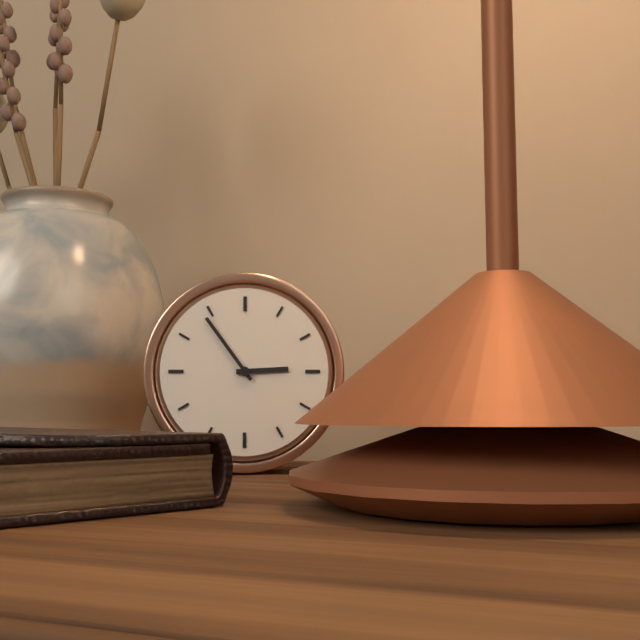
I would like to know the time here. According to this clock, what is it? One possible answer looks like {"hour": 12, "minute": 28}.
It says {"hour": 2, "minute": 54}
